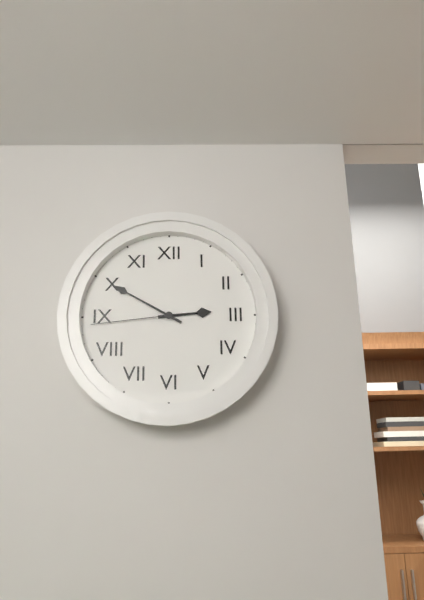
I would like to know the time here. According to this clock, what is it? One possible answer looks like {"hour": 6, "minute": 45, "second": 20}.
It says {"hour": 2, "minute": 50, "second": 44}
